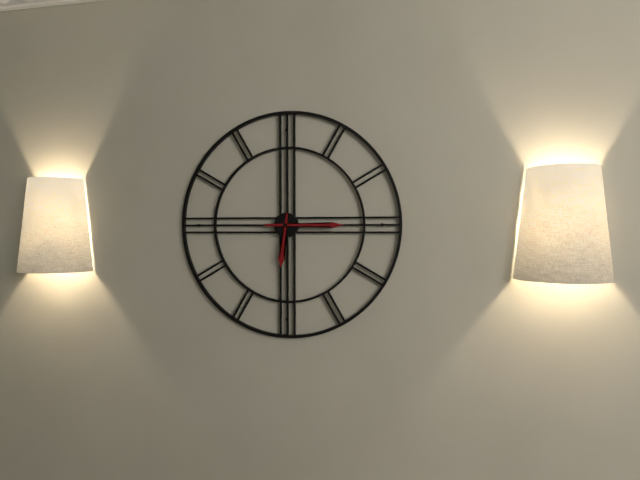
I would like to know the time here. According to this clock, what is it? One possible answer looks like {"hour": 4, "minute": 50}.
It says {"hour": 6, "minute": 15}
